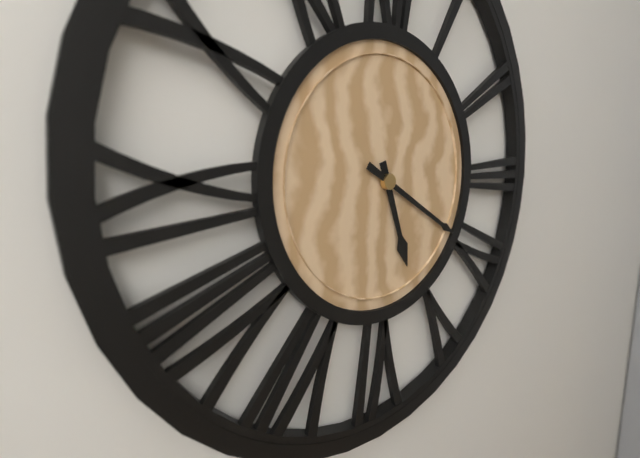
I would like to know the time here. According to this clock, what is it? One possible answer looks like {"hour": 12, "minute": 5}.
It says {"hour": 5, "minute": 20}
